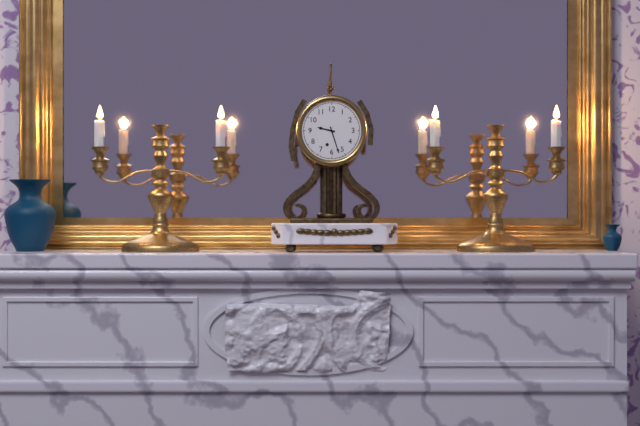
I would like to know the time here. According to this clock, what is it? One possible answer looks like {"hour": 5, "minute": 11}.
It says {"hour": 9, "minute": 27}
